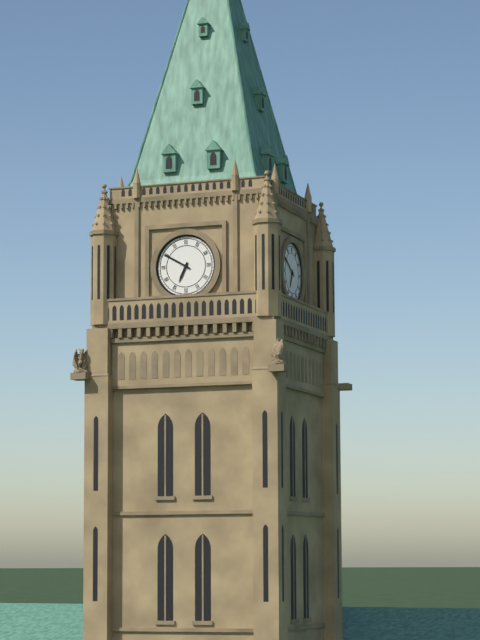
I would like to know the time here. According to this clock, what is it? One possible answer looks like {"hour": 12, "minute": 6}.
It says {"hour": 6, "minute": 50}
